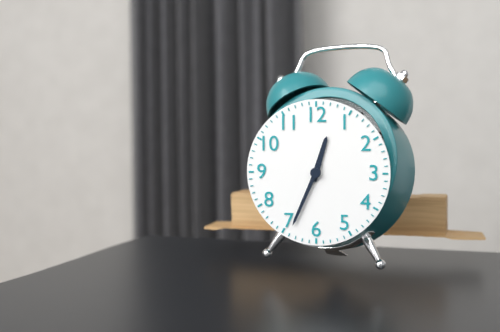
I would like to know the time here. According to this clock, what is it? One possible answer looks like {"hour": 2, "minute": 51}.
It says {"hour": 12, "minute": 34}
